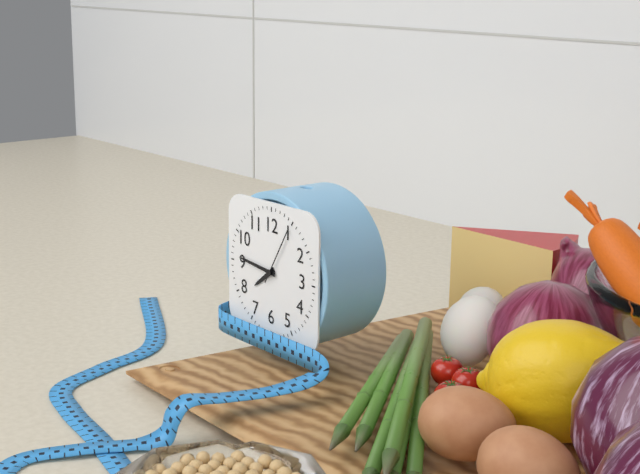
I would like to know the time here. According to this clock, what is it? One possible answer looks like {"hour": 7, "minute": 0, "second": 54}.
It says {"hour": 7, "minute": 46, "second": 5}
